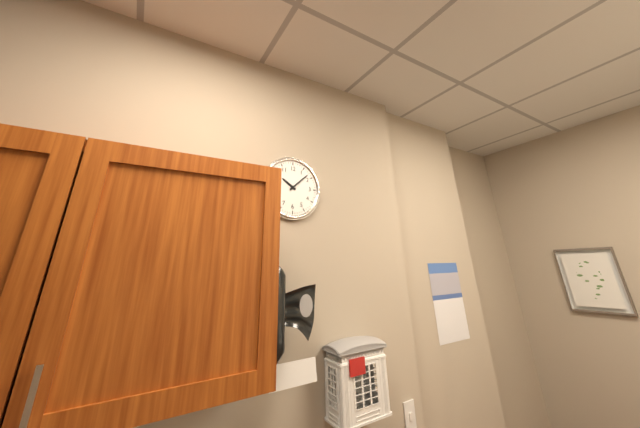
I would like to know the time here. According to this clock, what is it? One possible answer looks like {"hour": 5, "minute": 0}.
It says {"hour": 10, "minute": 8}
